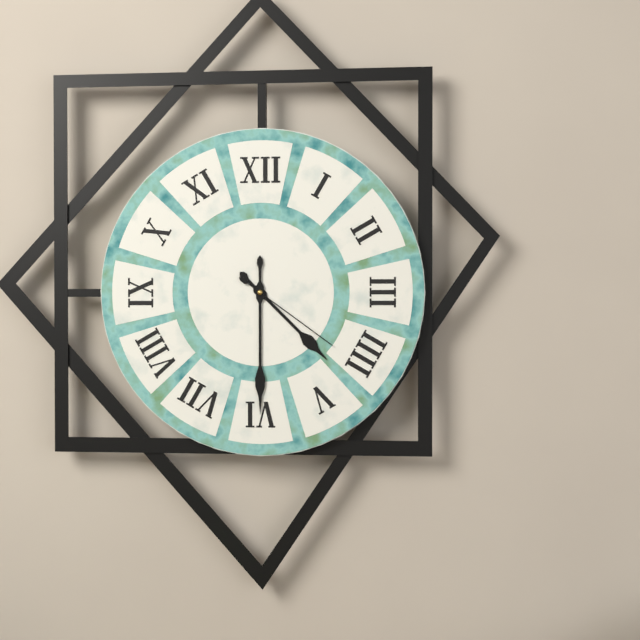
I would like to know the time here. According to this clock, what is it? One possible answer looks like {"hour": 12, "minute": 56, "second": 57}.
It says {"hour": 4, "minute": 30, "second": 21}
